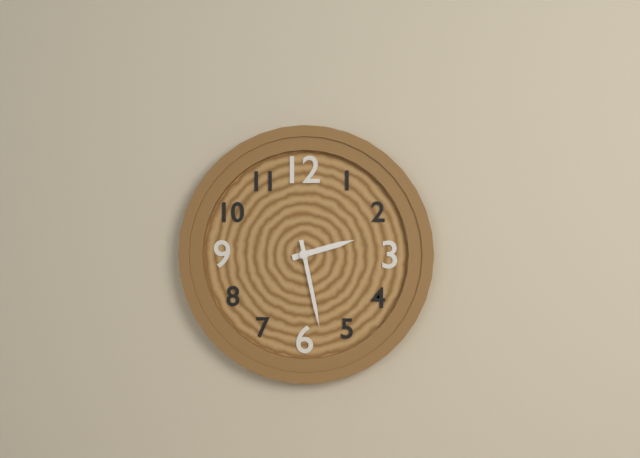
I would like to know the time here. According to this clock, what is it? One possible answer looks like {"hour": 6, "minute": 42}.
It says {"hour": 2, "minute": 28}
